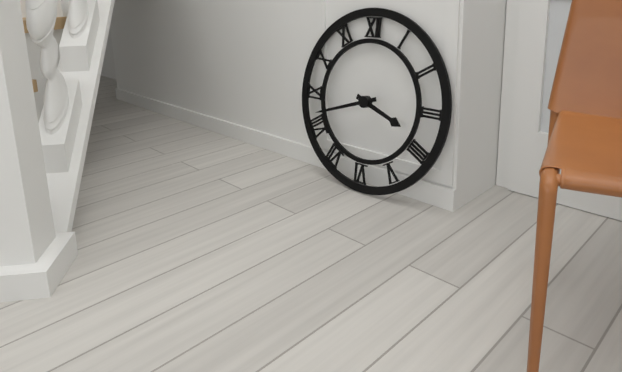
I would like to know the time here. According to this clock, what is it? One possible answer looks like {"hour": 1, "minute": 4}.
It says {"hour": 3, "minute": 42}
